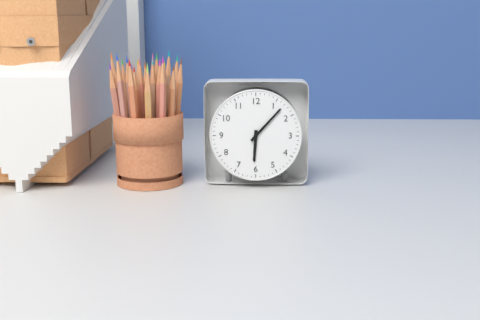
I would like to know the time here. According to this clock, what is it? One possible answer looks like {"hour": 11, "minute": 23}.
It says {"hour": 6, "minute": 7}
